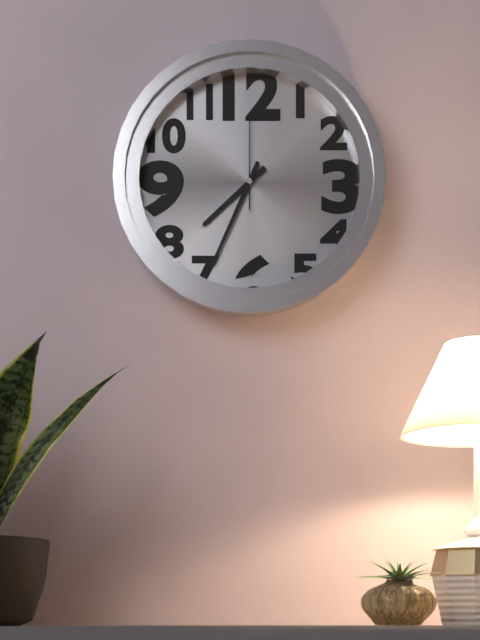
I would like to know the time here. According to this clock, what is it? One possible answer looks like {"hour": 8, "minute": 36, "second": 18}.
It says {"hour": 7, "minute": 34, "second": 0}
